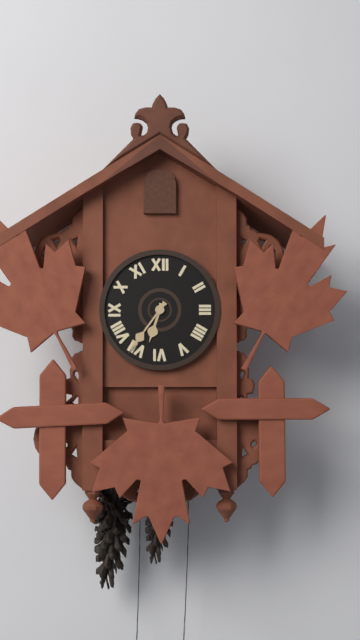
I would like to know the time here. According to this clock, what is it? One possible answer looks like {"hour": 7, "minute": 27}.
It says {"hour": 6, "minute": 36}
